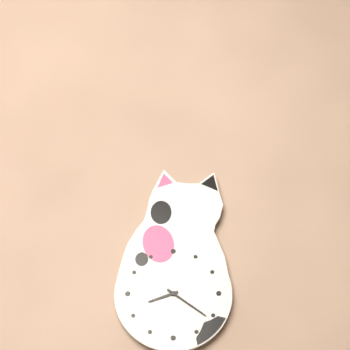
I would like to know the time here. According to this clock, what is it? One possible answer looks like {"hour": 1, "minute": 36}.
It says {"hour": 8, "minute": 21}
